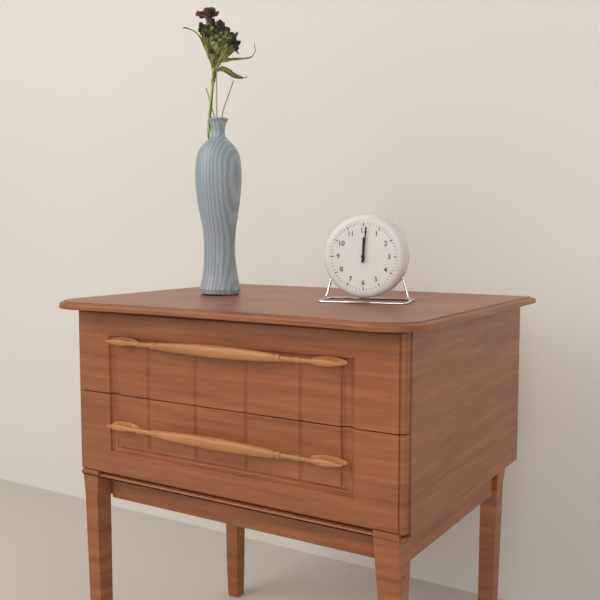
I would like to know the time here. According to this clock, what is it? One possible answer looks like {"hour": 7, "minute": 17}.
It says {"hour": 12, "minute": 1}
